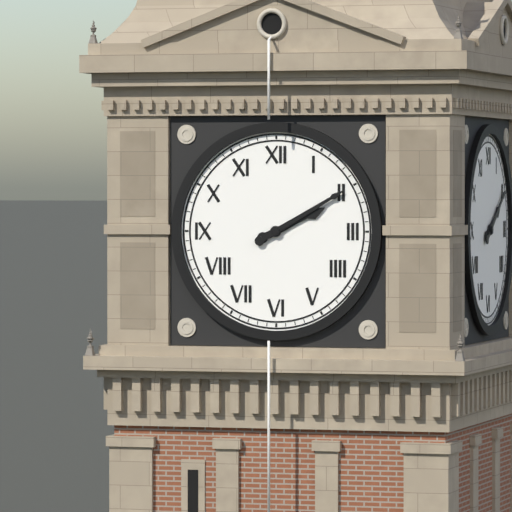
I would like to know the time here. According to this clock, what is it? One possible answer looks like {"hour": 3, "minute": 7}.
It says {"hour": 2, "minute": 10}
